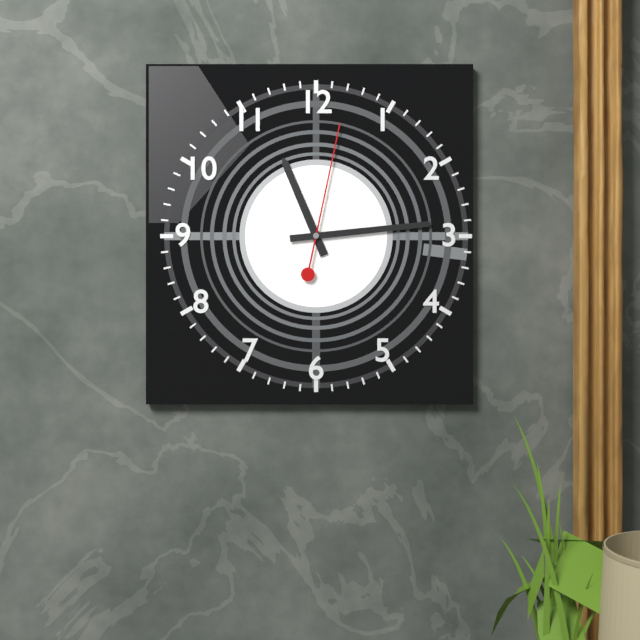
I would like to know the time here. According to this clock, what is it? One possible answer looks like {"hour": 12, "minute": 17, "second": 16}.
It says {"hour": 11, "minute": 14, "second": 2}
